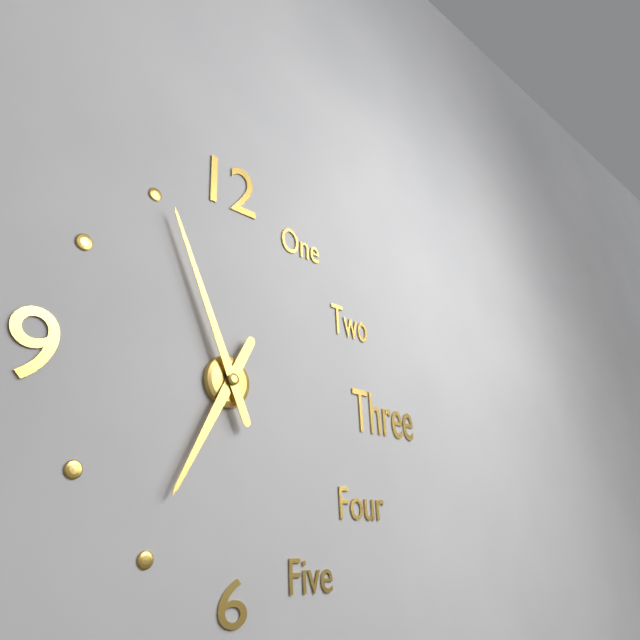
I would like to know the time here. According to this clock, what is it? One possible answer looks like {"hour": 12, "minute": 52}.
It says {"hour": 6, "minute": 56}
